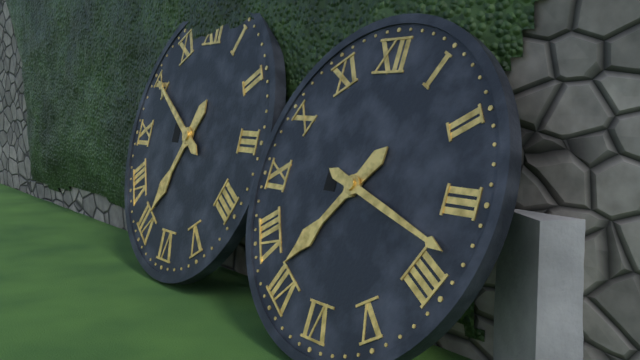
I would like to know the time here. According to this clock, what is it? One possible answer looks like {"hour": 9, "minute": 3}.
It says {"hour": 7, "minute": 18}
